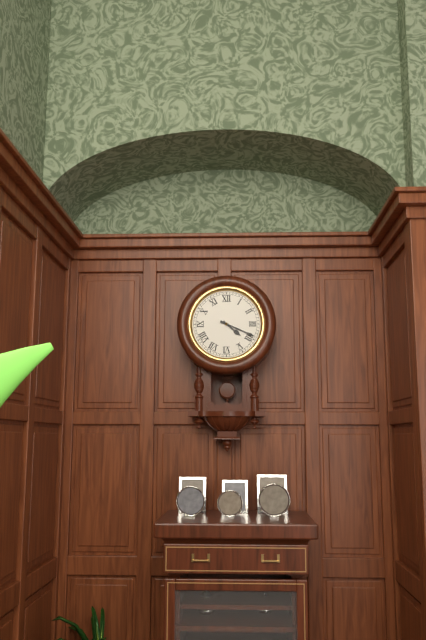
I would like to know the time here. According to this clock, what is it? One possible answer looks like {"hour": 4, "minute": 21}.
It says {"hour": 4, "minute": 19}
